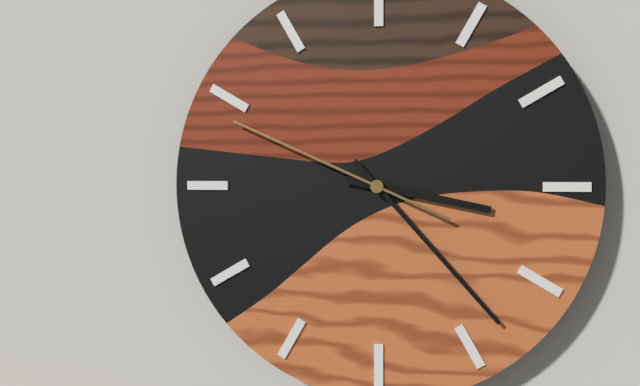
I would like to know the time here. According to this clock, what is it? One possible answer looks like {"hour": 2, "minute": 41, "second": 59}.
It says {"hour": 3, "minute": 23, "second": 49}
